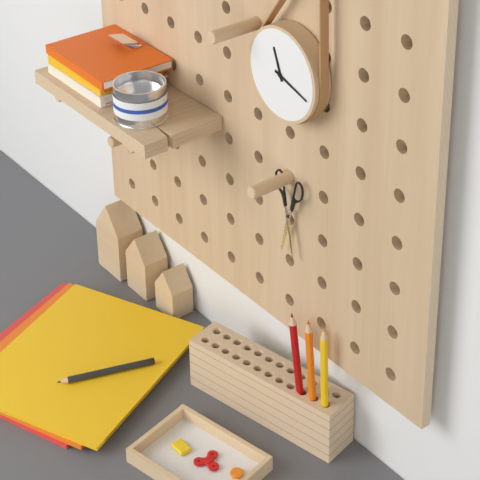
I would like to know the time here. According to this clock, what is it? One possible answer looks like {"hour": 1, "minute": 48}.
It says {"hour": 11, "minute": 18}
